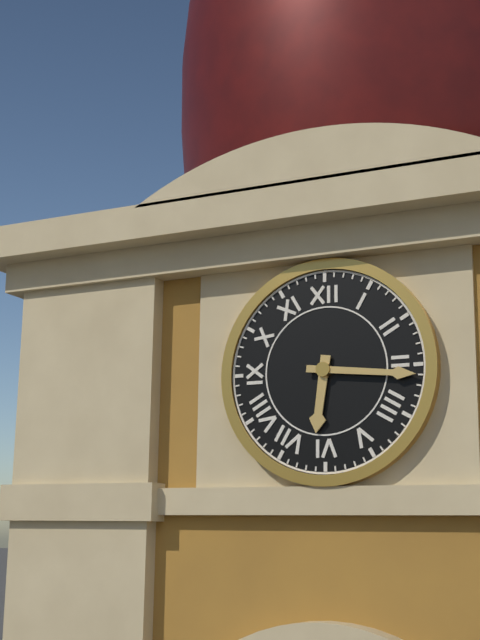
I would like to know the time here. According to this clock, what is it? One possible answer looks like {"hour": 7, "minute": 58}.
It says {"hour": 6, "minute": 16}
